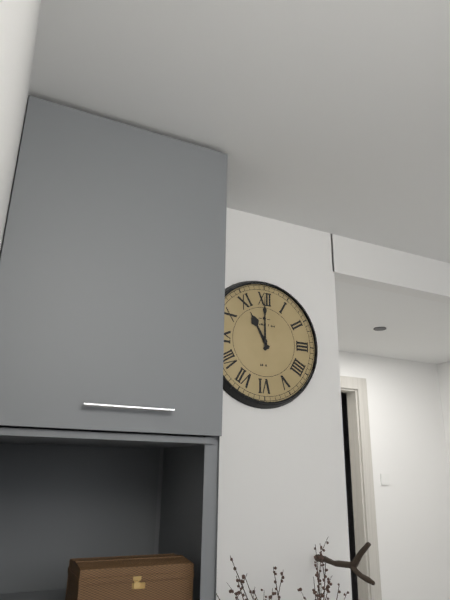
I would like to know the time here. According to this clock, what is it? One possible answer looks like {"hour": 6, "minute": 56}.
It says {"hour": 11, "minute": 0}
